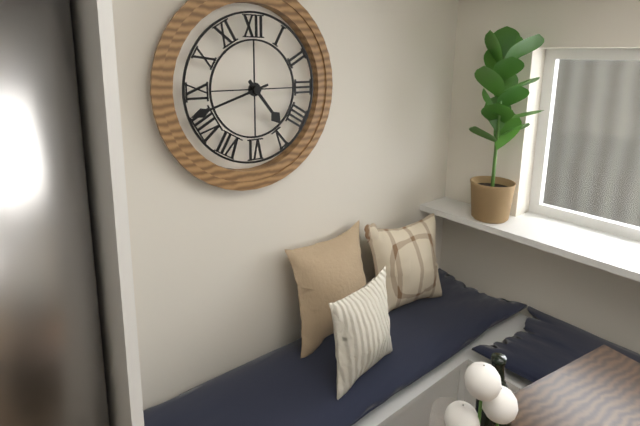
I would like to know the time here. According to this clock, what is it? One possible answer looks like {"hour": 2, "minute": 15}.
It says {"hour": 4, "minute": 42}
